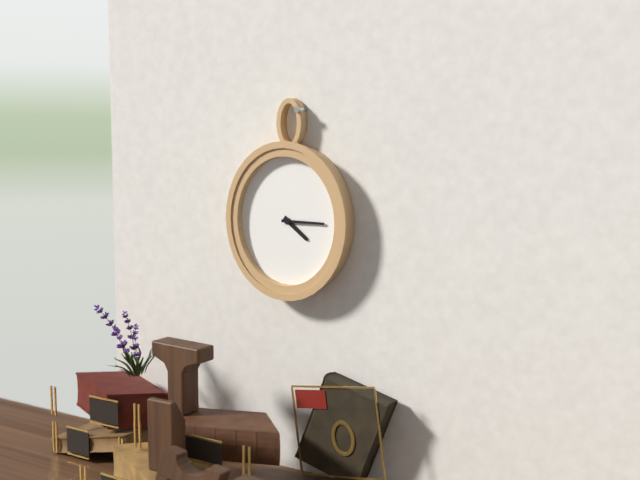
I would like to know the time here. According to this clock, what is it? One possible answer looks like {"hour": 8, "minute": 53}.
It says {"hour": 4, "minute": 15}
